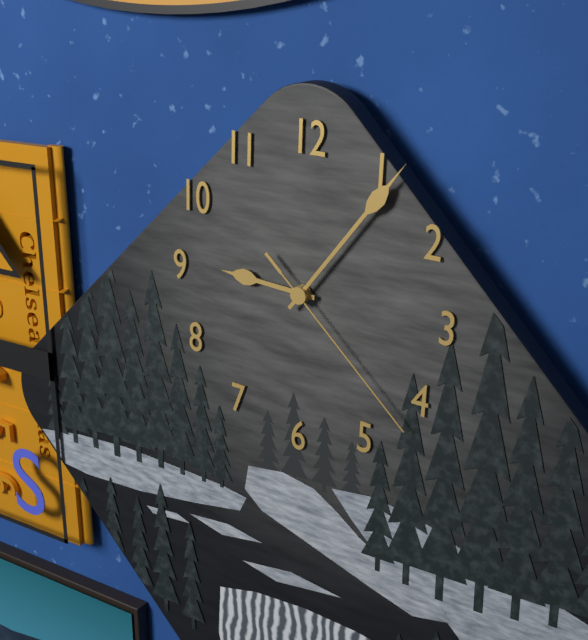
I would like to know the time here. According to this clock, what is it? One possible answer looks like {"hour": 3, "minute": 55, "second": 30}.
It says {"hour": 9, "minute": 6, "second": 22}
